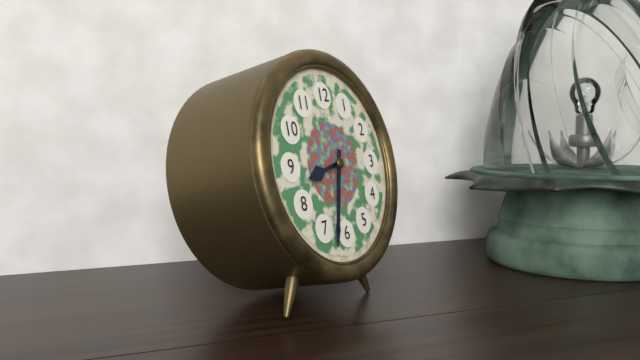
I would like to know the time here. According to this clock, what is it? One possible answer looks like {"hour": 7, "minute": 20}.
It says {"hour": 8, "minute": 33}
